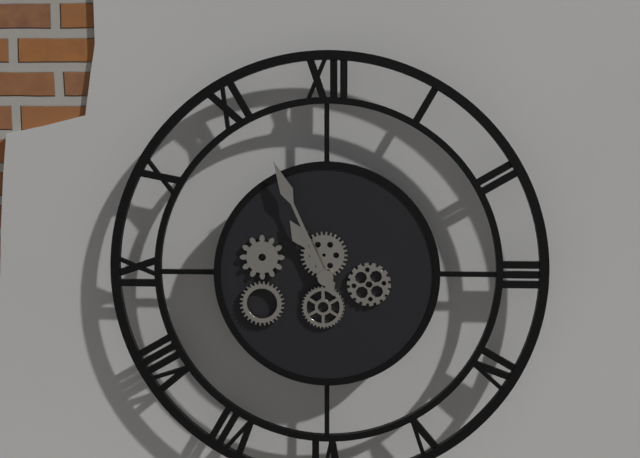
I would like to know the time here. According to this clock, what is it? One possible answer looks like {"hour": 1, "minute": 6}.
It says {"hour": 10, "minute": 56}
